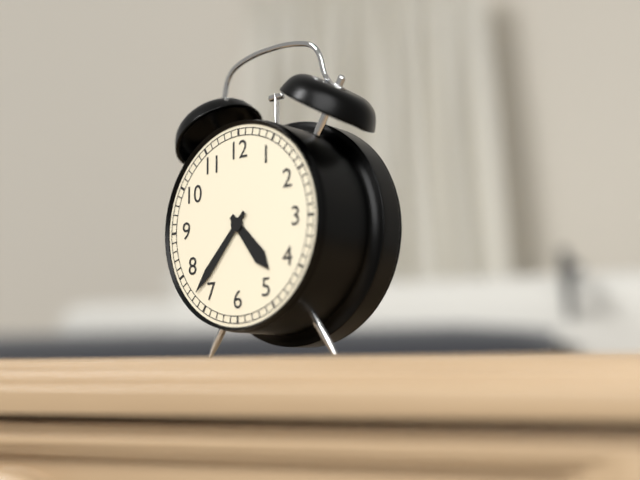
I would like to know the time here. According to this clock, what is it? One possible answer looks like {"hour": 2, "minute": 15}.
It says {"hour": 4, "minute": 37}
